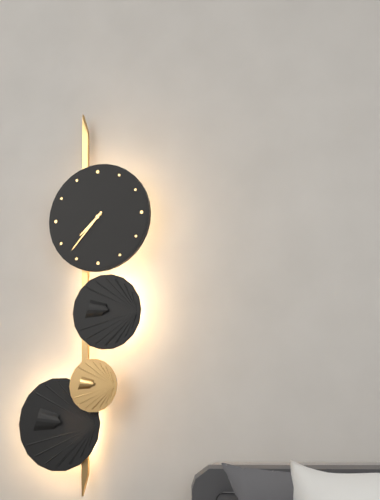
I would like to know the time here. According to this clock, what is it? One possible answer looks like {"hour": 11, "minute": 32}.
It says {"hour": 7, "minute": 37}
